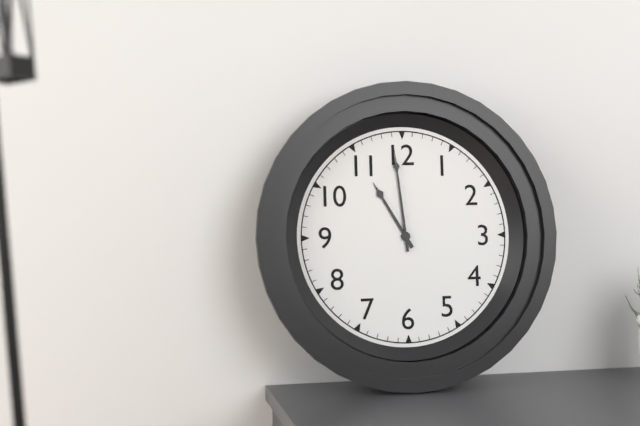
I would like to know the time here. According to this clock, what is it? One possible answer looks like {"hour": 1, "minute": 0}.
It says {"hour": 10, "minute": 59}
